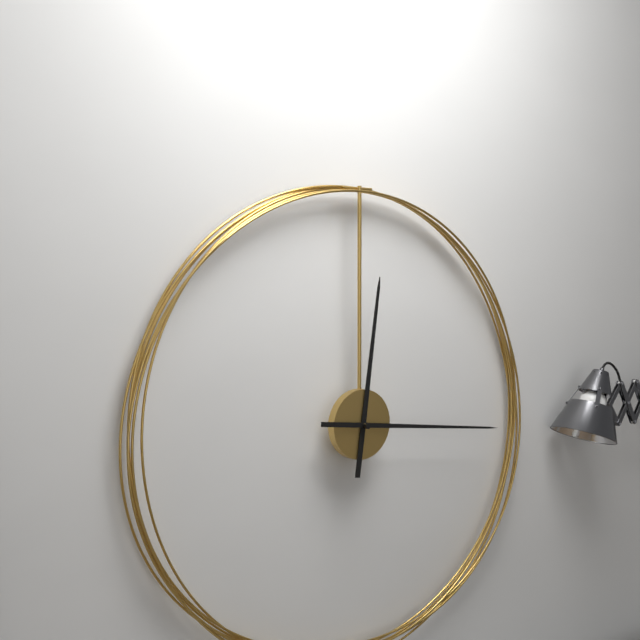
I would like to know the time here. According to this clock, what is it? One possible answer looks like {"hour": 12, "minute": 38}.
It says {"hour": 12, "minute": 16}
